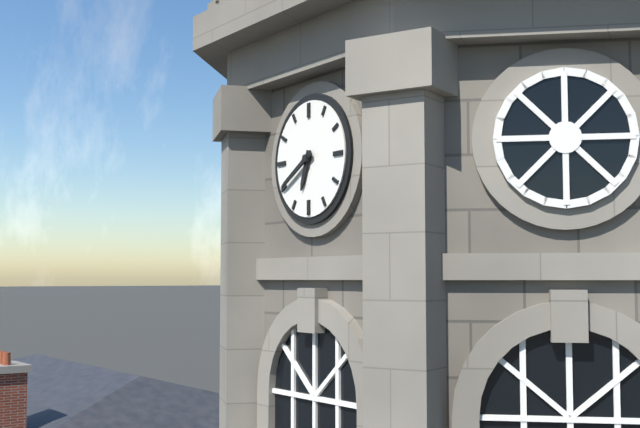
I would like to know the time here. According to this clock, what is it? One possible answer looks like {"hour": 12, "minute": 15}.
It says {"hour": 6, "minute": 40}
